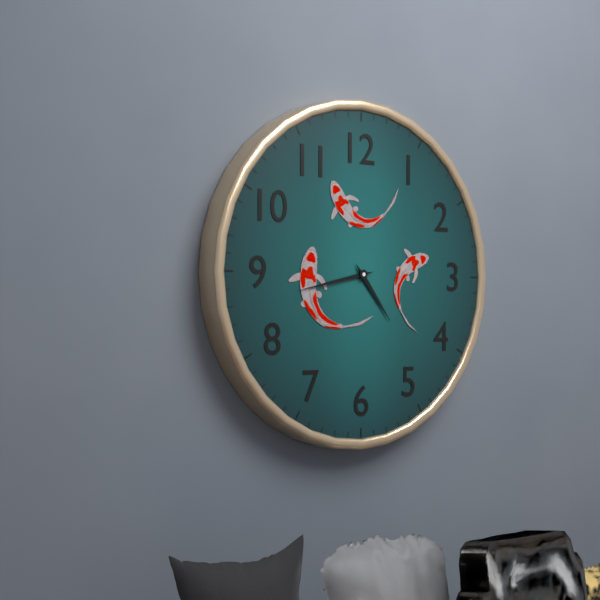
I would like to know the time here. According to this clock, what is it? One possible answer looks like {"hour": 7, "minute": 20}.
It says {"hour": 4, "minute": 43}
